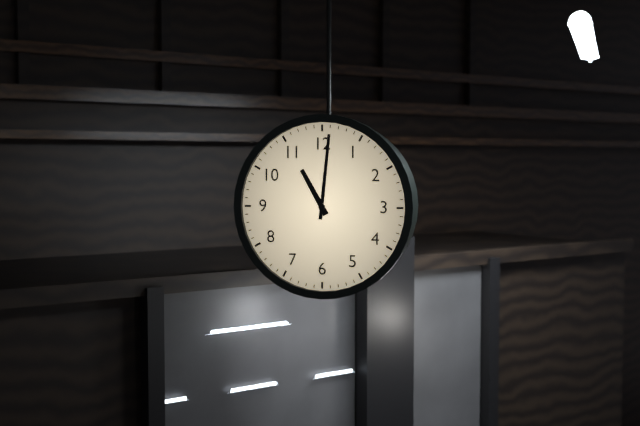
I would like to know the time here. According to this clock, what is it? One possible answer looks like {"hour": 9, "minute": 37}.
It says {"hour": 11, "minute": 1}
